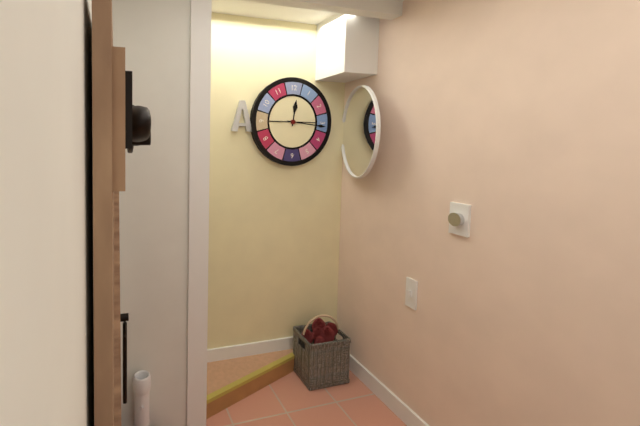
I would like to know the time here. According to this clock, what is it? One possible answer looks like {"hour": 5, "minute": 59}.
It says {"hour": 12, "minute": 16}
